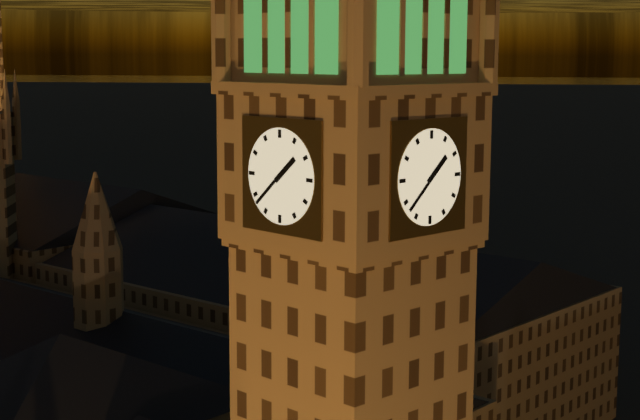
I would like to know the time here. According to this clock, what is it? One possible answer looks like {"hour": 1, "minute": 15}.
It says {"hour": 1, "minute": 38}
